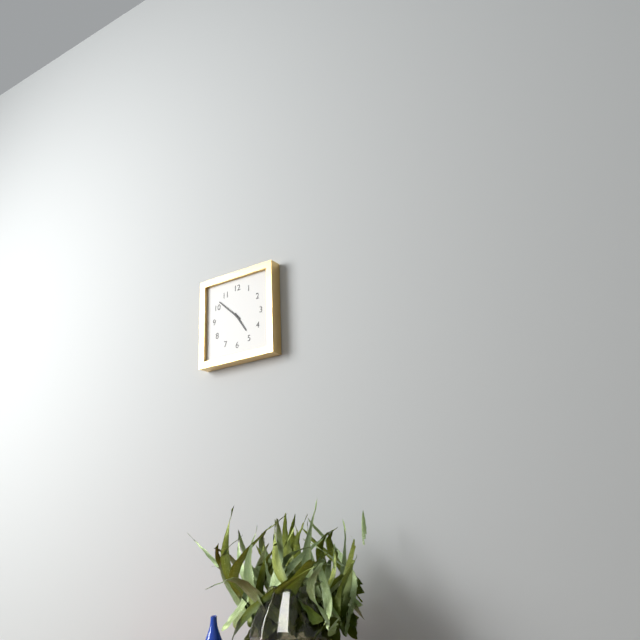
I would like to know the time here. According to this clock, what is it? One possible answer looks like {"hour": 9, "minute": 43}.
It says {"hour": 4, "minute": 52}
